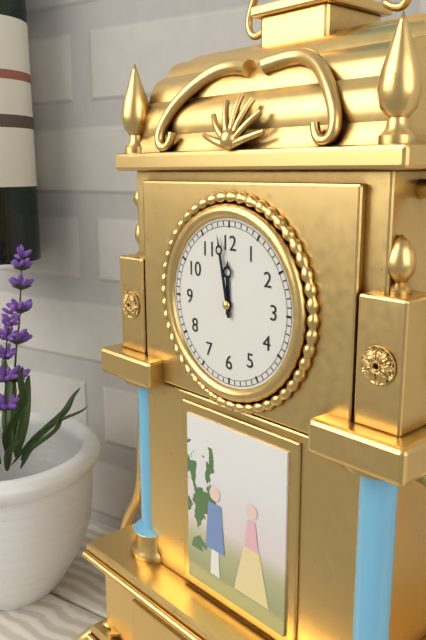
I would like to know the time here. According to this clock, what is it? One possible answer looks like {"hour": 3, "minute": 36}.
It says {"hour": 11, "minute": 58}
